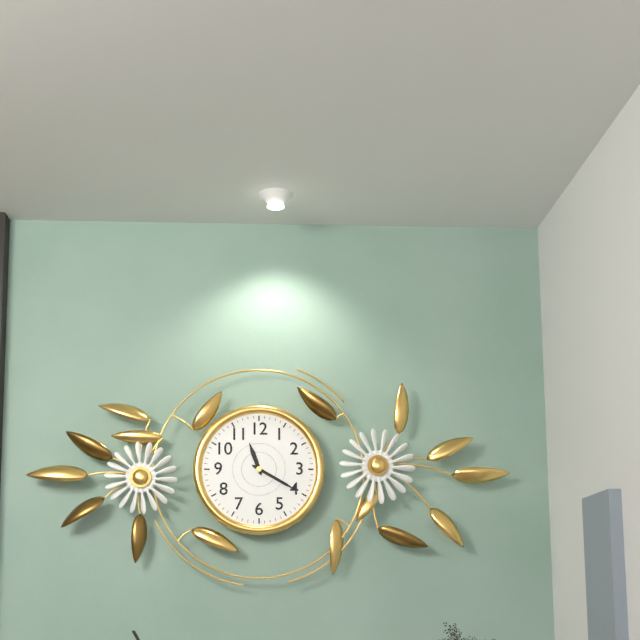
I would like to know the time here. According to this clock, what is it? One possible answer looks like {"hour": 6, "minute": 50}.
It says {"hour": 11, "minute": 20}
